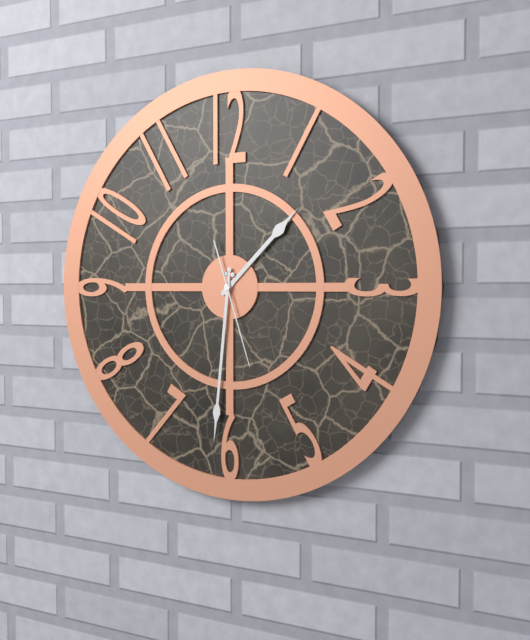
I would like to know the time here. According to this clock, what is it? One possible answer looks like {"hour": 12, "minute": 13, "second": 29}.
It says {"hour": 1, "minute": 31, "second": 27}
